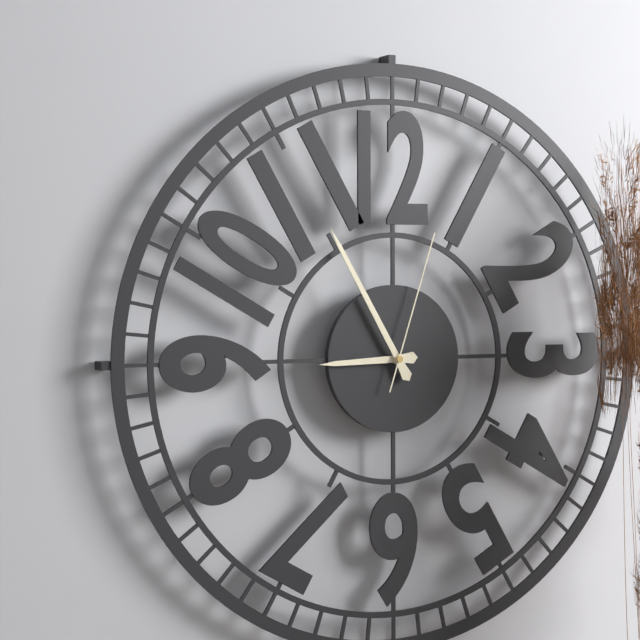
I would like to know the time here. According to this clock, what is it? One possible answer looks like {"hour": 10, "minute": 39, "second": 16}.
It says {"hour": 8, "minute": 55, "second": 3}
